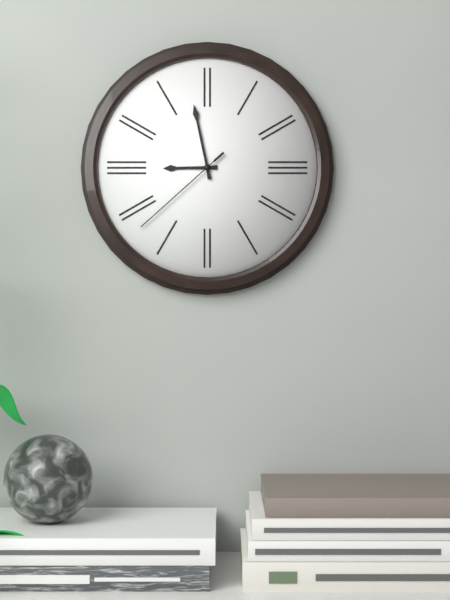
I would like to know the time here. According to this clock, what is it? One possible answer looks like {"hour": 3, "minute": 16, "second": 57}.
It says {"hour": 8, "minute": 58, "second": 38}
